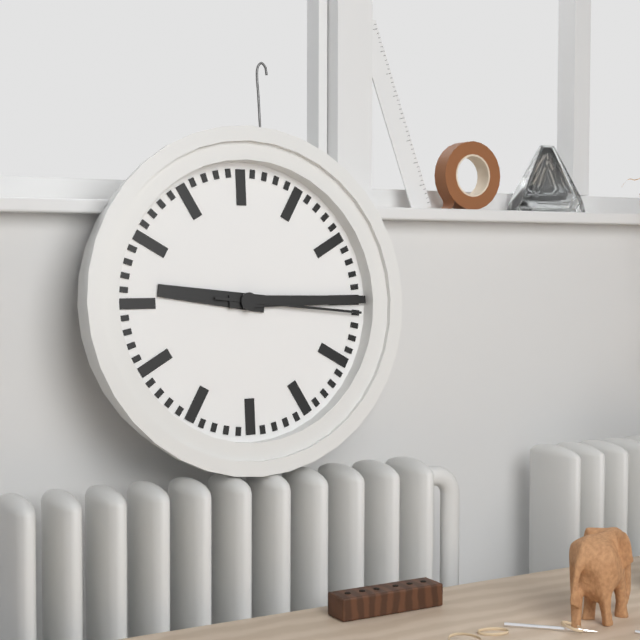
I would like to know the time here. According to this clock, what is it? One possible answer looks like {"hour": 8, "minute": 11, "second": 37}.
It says {"hour": 9, "minute": 15, "second": 16}
